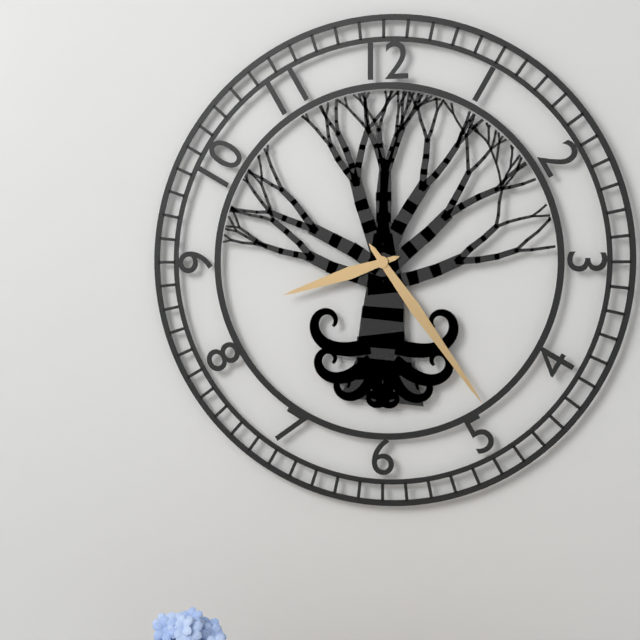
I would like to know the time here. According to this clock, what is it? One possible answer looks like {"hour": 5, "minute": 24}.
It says {"hour": 8, "minute": 24}
